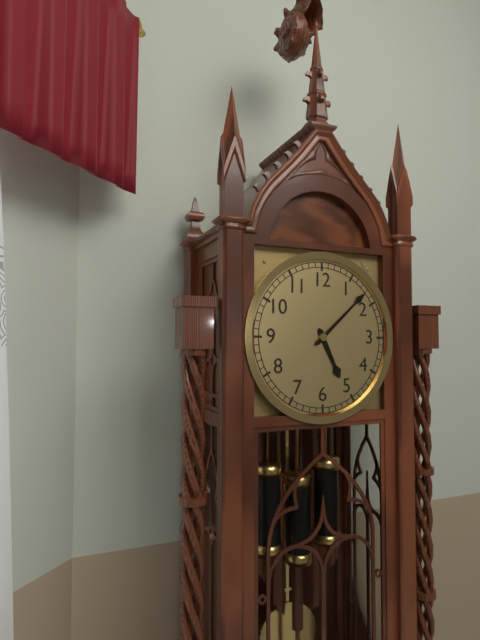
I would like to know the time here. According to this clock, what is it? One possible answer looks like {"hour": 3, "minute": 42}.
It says {"hour": 5, "minute": 8}
